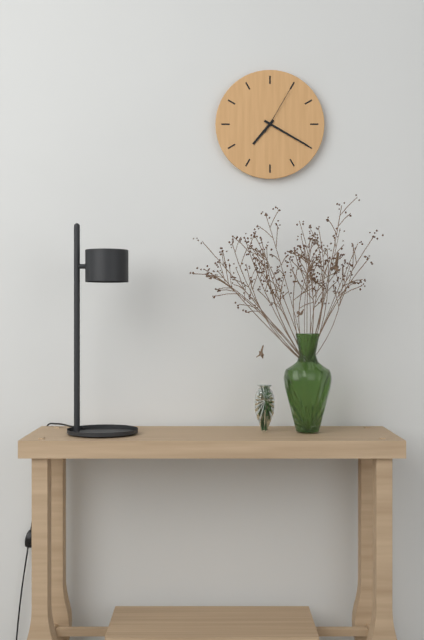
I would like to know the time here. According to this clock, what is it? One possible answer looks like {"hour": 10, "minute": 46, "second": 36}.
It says {"hour": 7, "minute": 20, "second": 5}
